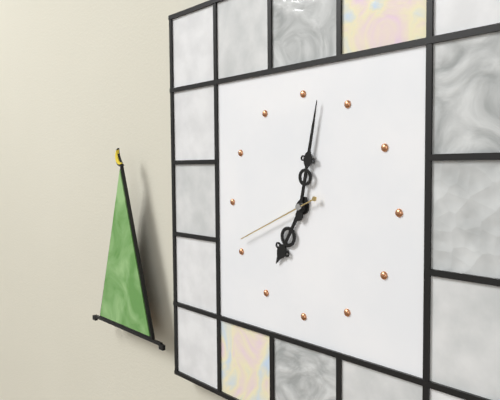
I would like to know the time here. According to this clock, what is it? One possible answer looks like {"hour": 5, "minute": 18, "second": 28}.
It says {"hour": 7, "minute": 2, "second": 41}
